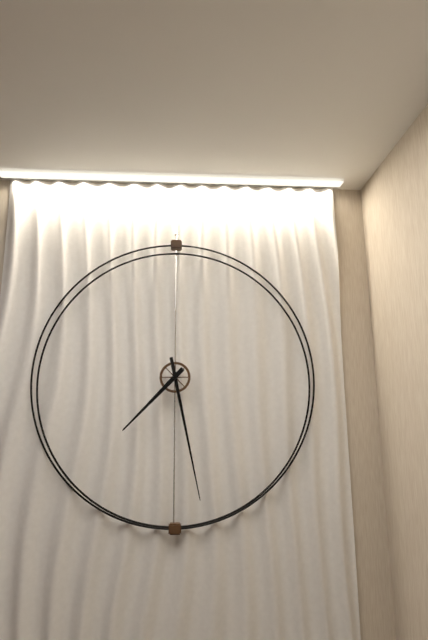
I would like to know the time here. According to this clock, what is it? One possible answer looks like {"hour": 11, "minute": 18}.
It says {"hour": 7, "minute": 28}
